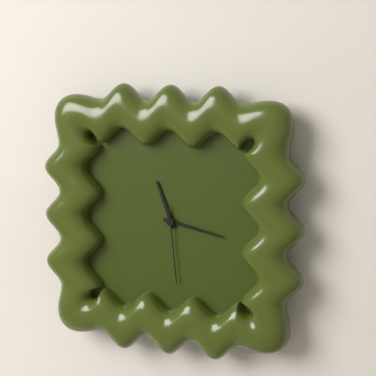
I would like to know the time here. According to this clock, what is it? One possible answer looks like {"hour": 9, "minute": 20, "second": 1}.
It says {"hour": 11, "minute": 17, "second": 29}
